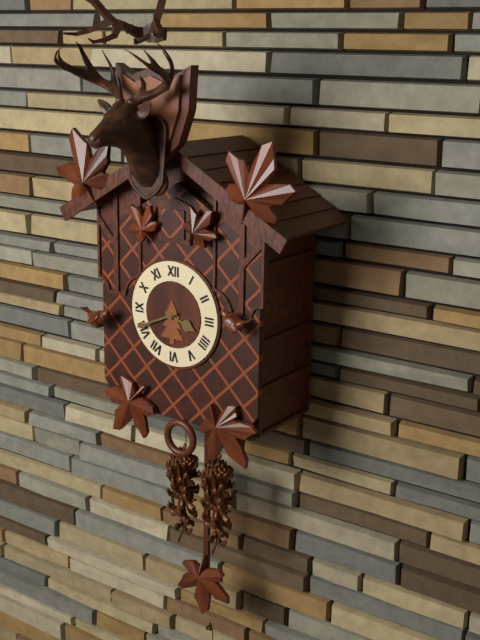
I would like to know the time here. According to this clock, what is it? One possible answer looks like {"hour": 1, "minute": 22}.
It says {"hour": 3, "minute": 41}
